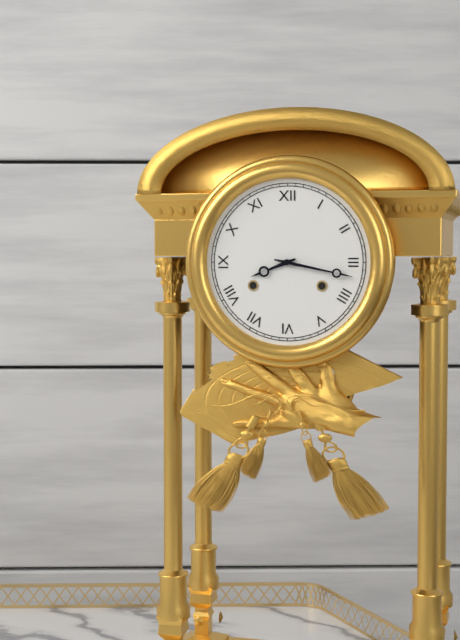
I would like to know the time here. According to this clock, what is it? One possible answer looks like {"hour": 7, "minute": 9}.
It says {"hour": 8, "minute": 17}
